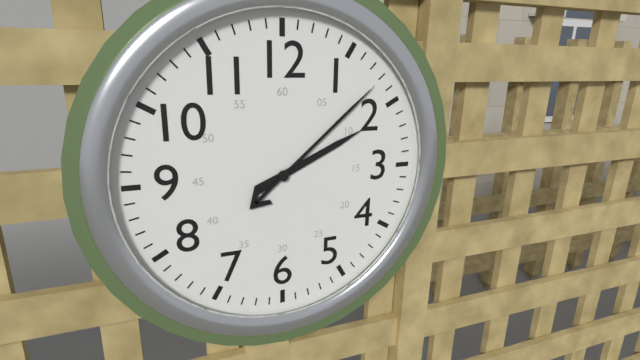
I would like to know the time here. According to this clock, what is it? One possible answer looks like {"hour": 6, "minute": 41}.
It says {"hour": 2, "minute": 8}
